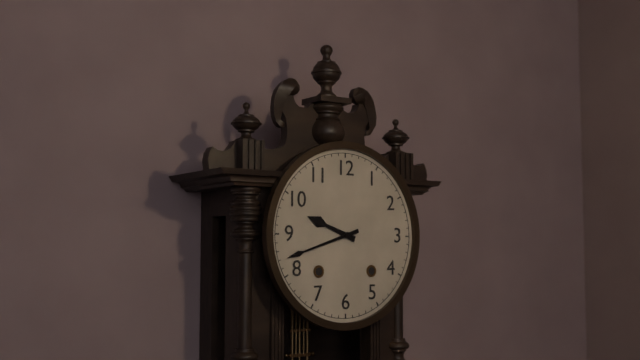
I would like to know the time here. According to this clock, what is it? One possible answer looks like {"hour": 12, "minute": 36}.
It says {"hour": 9, "minute": 42}
